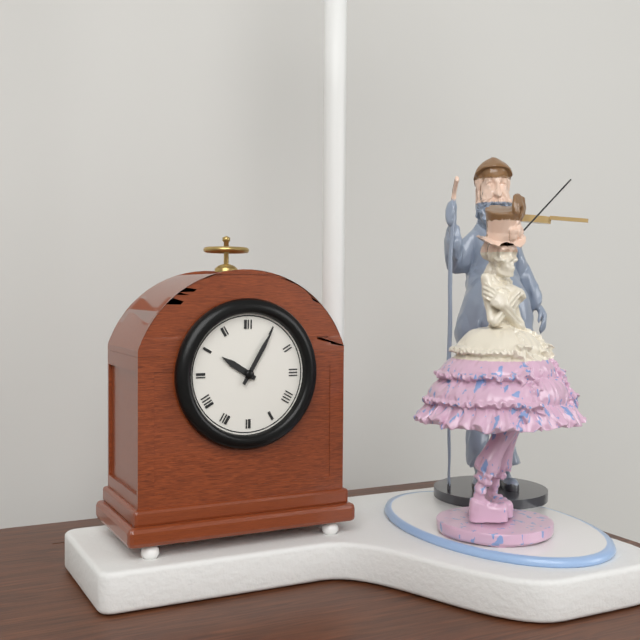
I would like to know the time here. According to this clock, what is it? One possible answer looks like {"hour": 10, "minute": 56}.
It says {"hour": 10, "minute": 5}
